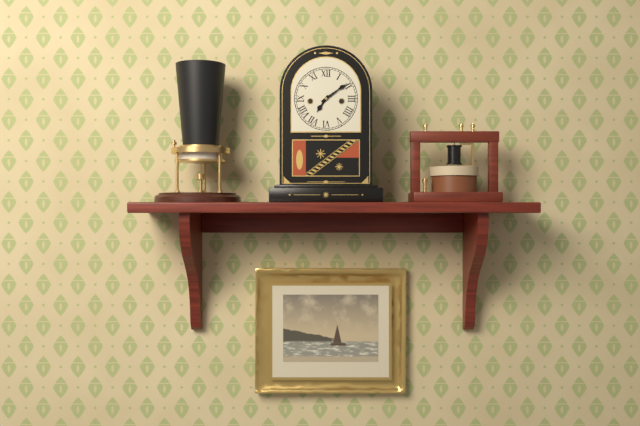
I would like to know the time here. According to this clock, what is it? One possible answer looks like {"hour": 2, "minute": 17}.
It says {"hour": 7, "minute": 9}
